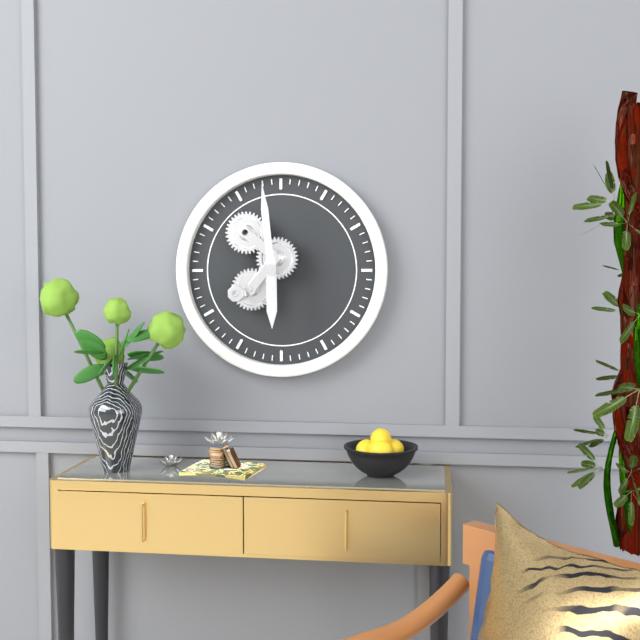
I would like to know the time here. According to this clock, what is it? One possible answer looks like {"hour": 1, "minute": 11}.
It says {"hour": 5, "minute": 59}
